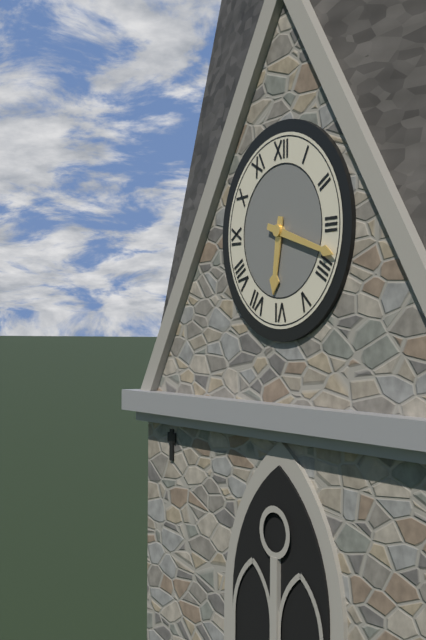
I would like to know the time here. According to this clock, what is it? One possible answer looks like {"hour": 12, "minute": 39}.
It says {"hour": 6, "minute": 18}
